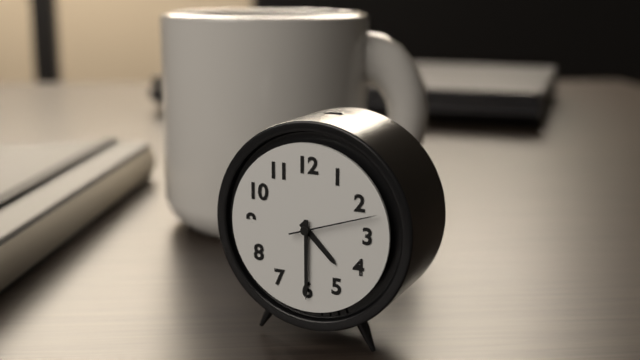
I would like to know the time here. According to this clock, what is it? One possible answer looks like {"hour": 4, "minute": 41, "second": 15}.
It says {"hour": 4, "minute": 30, "second": 12}
